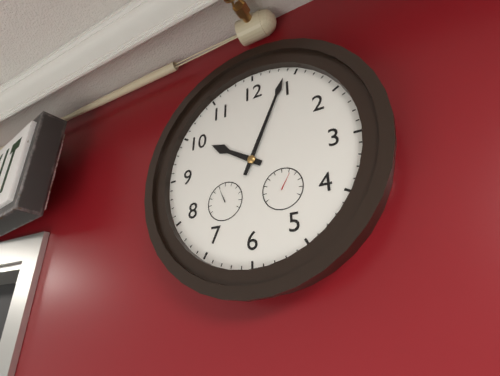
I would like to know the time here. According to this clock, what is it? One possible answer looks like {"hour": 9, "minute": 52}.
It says {"hour": 10, "minute": 4}
